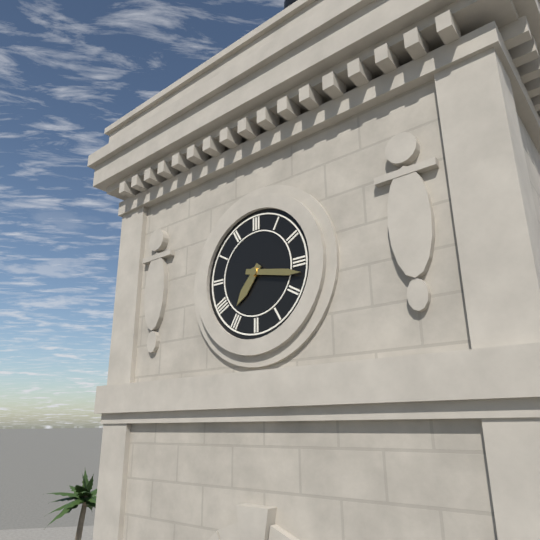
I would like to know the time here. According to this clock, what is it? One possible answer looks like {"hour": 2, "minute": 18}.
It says {"hour": 7, "minute": 17}
